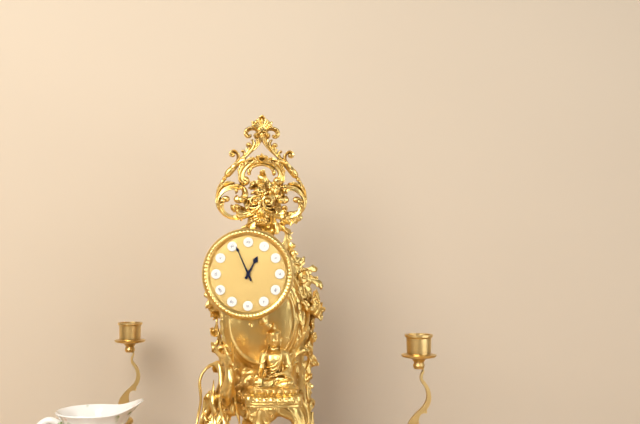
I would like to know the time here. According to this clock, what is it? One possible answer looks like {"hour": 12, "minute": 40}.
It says {"hour": 12, "minute": 56}
